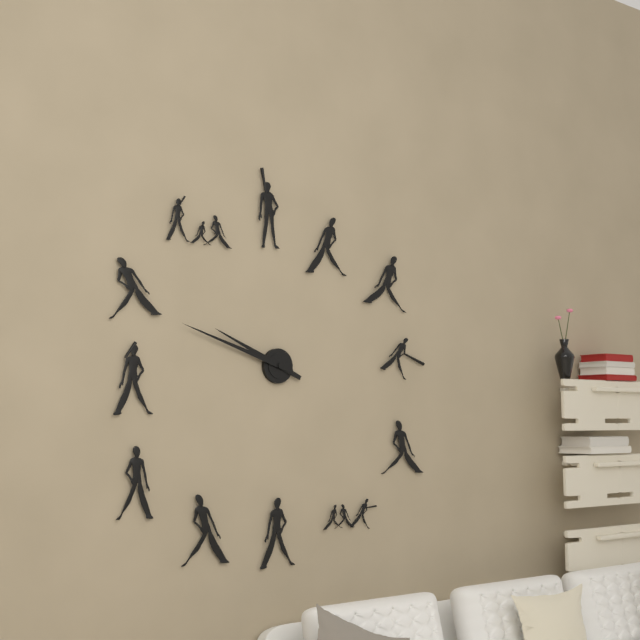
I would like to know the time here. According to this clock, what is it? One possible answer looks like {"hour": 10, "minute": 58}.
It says {"hour": 9, "minute": 48}
